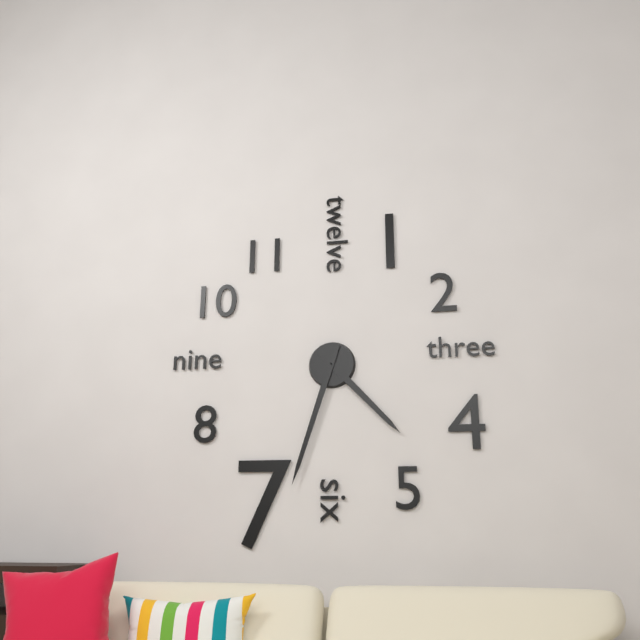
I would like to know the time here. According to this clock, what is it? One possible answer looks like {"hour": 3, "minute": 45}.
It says {"hour": 4, "minute": 33}
